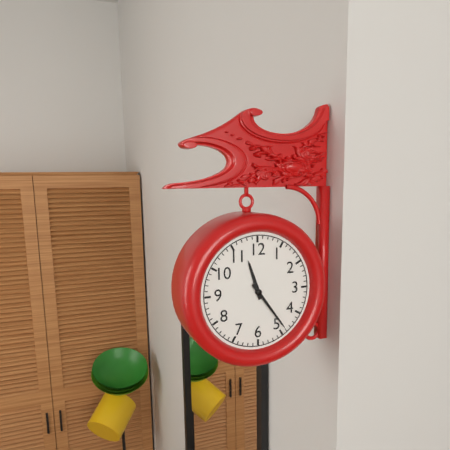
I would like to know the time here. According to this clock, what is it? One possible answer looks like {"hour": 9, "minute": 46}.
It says {"hour": 11, "minute": 24}
